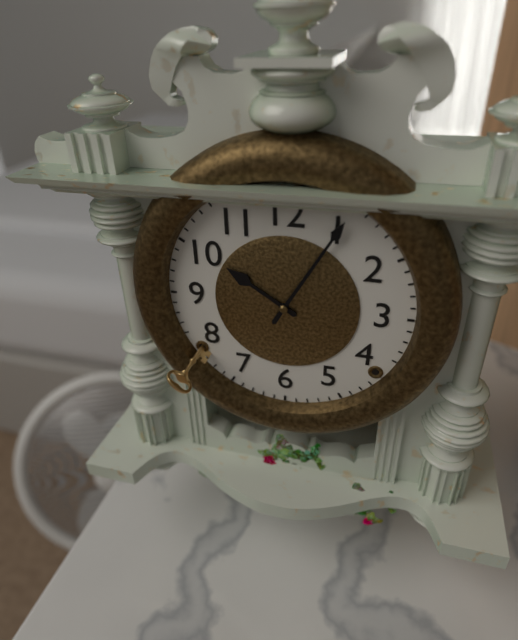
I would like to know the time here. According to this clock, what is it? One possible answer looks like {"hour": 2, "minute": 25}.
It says {"hour": 10, "minute": 5}
